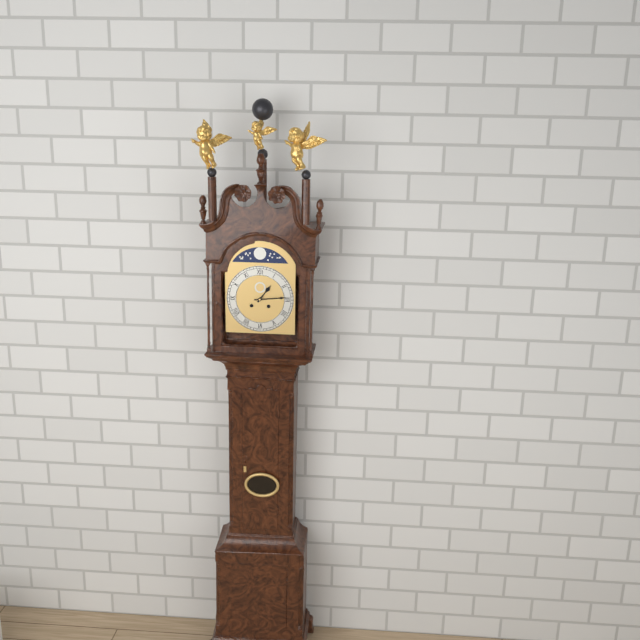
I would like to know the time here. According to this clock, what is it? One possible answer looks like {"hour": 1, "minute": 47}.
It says {"hour": 1, "minute": 14}
